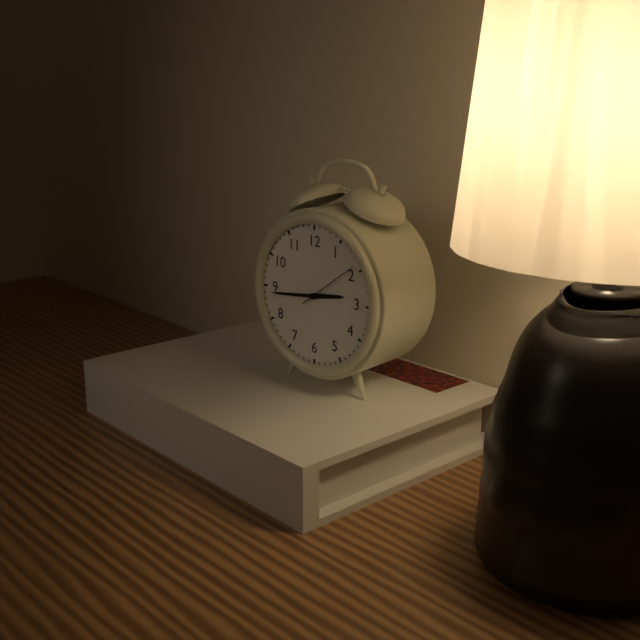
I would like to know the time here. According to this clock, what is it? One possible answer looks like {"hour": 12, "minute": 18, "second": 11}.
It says {"hour": 2, "minute": 44, "second": 9}
